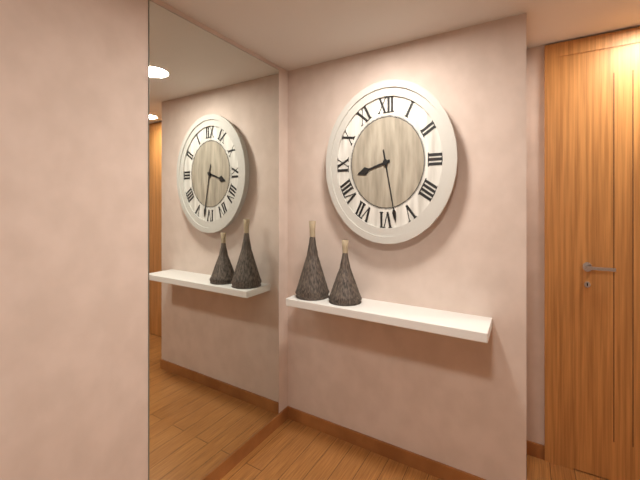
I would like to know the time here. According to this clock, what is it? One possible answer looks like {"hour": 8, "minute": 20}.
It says {"hour": 8, "minute": 28}
